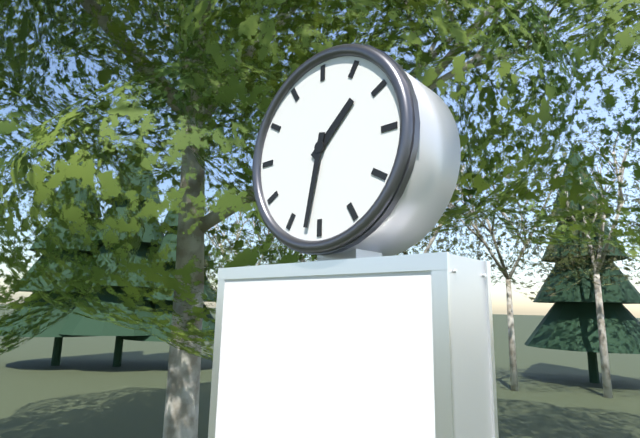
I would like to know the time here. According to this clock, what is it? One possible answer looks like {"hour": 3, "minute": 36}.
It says {"hour": 1, "minute": 32}
